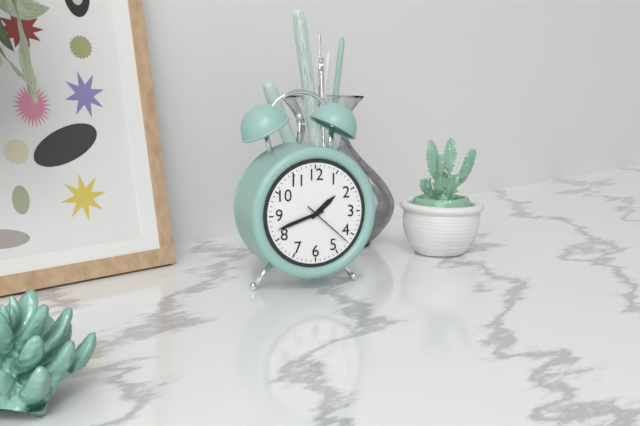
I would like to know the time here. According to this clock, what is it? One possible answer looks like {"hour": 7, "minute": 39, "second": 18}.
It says {"hour": 1, "minute": 42, "second": 22}
